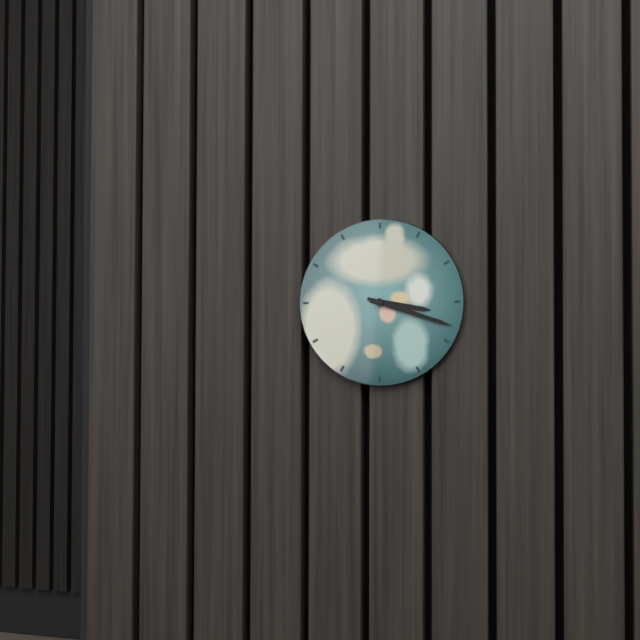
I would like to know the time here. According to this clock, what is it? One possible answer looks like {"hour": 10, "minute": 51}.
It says {"hour": 3, "minute": 18}
